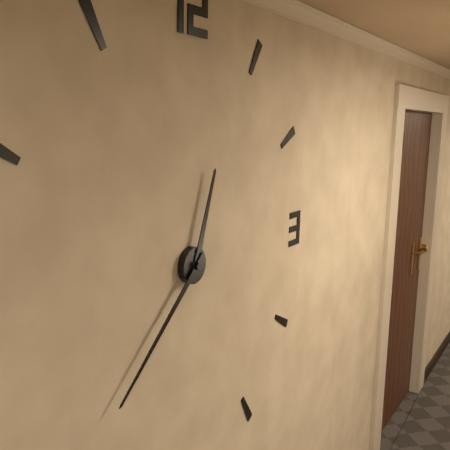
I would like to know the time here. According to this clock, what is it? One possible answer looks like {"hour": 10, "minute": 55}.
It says {"hour": 12, "minute": 38}
